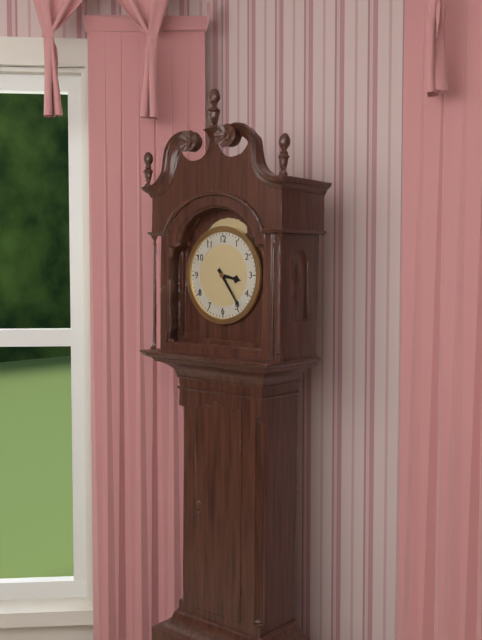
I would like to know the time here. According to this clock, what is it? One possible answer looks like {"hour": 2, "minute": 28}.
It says {"hour": 3, "minute": 24}
